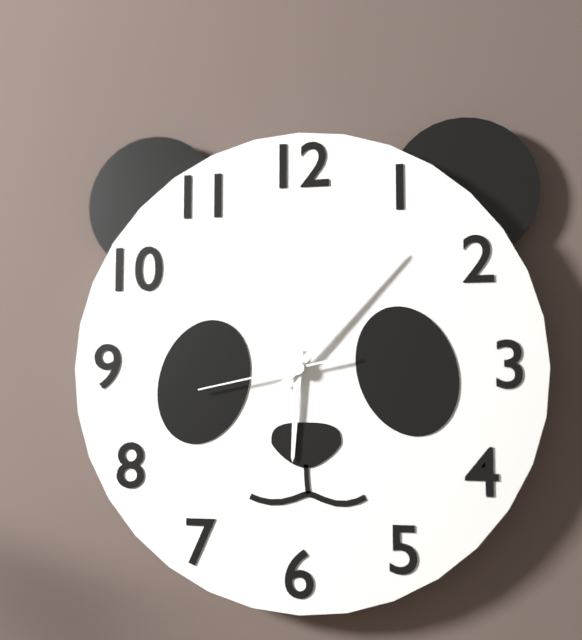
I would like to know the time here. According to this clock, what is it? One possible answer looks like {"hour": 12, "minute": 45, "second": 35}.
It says {"hour": 6, "minute": 7, "second": 43}
